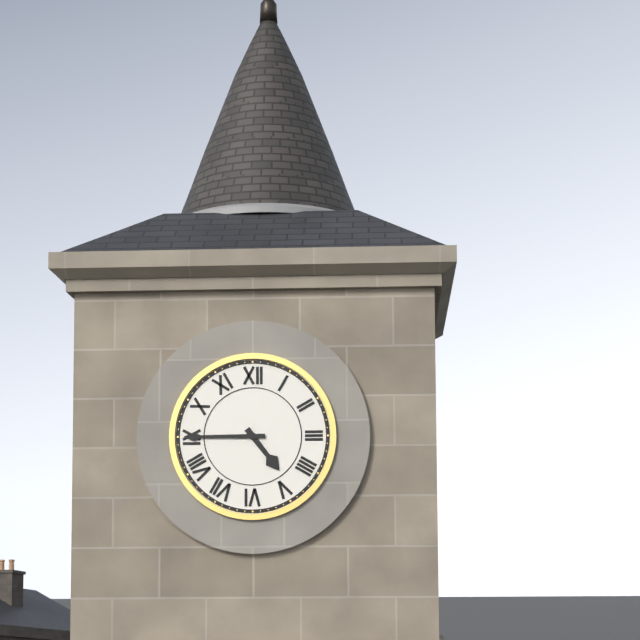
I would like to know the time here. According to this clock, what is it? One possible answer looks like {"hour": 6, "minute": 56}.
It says {"hour": 4, "minute": 45}
